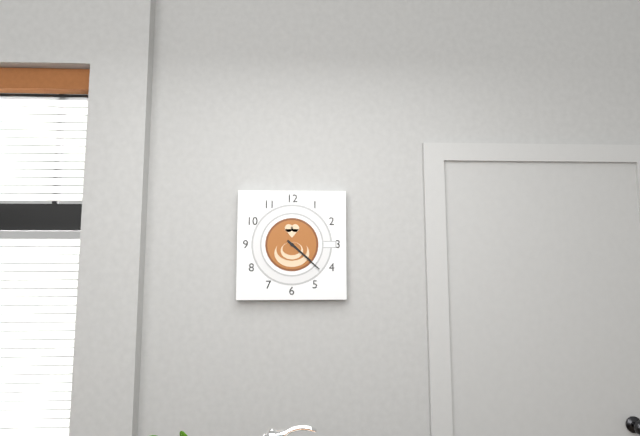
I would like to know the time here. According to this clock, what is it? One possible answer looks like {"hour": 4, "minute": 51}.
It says {"hour": 4, "minute": 22}
